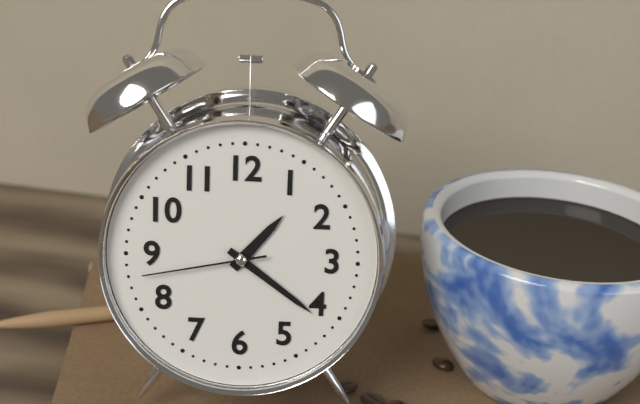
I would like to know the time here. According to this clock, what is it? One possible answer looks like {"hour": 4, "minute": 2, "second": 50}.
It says {"hour": 1, "minute": 21, "second": 43}
